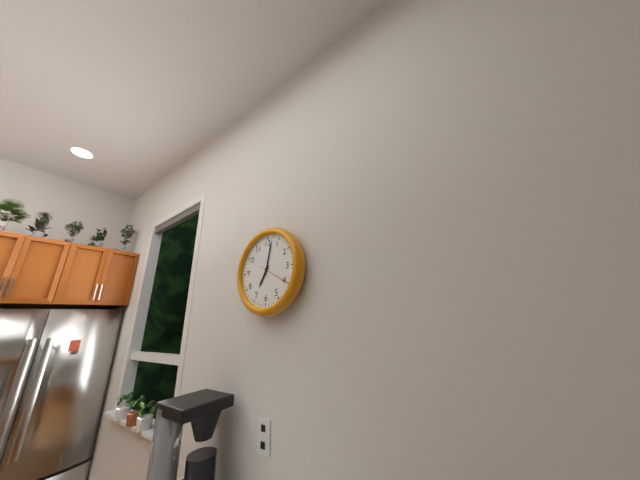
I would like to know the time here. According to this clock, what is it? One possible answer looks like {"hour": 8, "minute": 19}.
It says {"hour": 7, "minute": 2}
